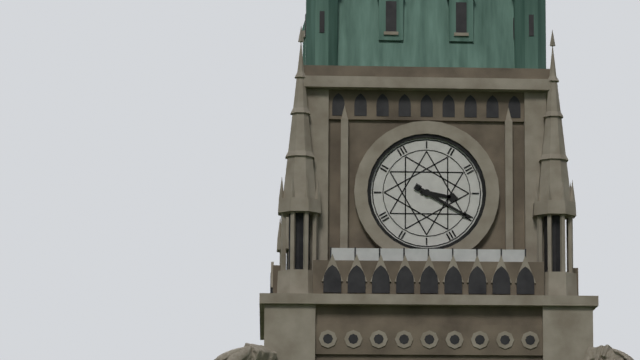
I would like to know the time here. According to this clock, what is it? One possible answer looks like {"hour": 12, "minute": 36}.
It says {"hour": 3, "minute": 20}
